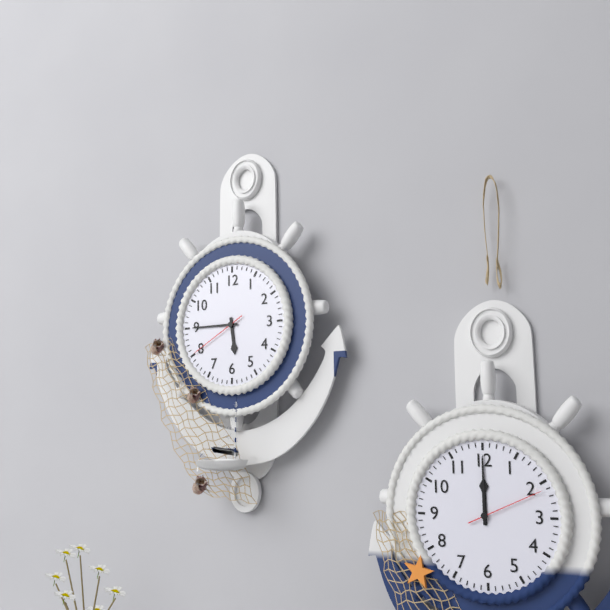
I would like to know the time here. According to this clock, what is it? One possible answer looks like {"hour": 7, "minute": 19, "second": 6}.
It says {"hour": 5, "minute": 45, "second": 40}
